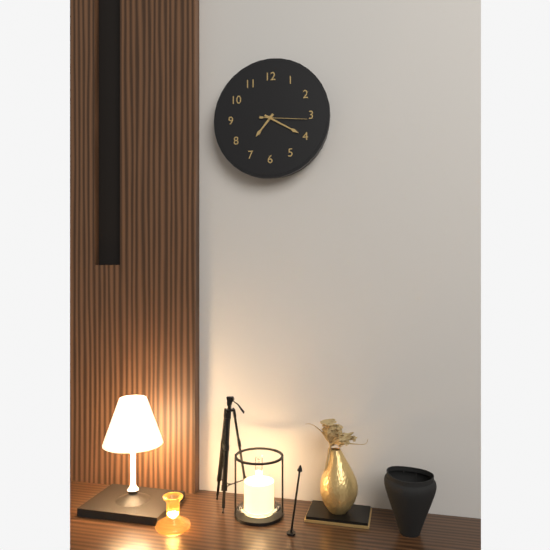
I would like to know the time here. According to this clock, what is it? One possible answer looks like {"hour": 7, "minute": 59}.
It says {"hour": 7, "minute": 20}
